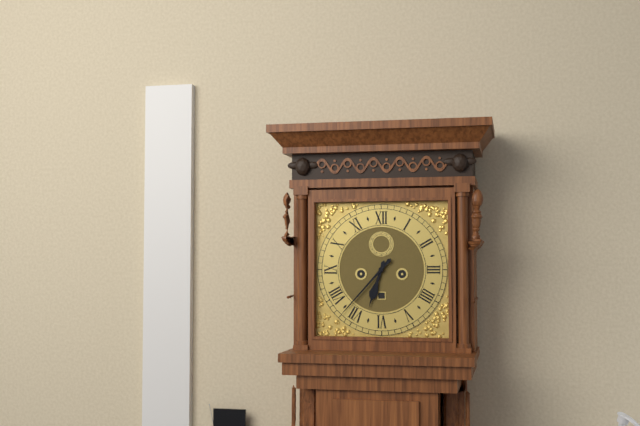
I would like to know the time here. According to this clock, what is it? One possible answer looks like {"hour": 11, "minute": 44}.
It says {"hour": 6, "minute": 37}
